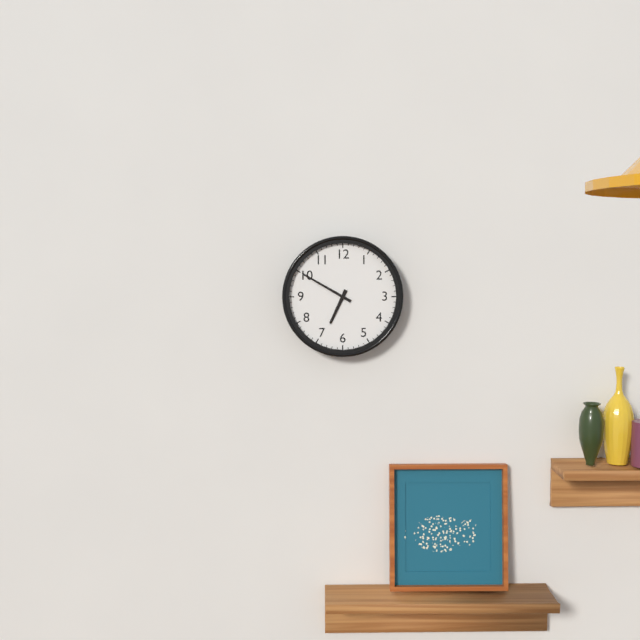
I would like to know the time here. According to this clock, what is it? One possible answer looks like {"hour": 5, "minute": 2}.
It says {"hour": 6, "minute": 50}
